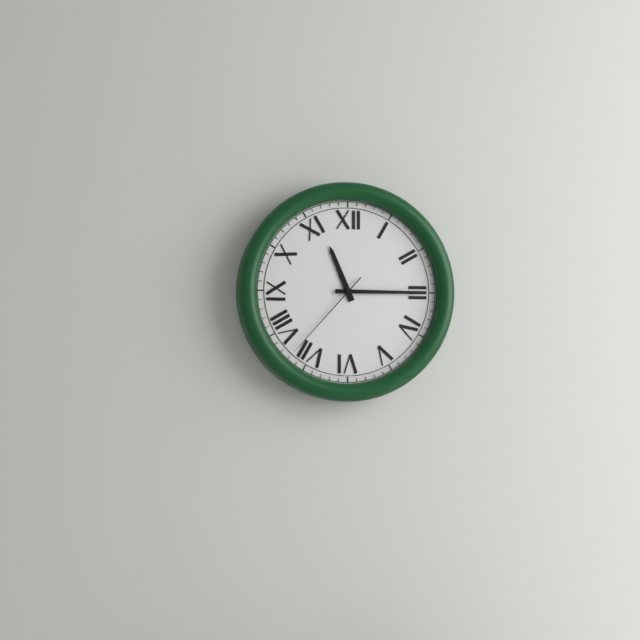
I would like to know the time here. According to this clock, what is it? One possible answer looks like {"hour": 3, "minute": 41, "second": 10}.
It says {"hour": 11, "minute": 15, "second": 37}
